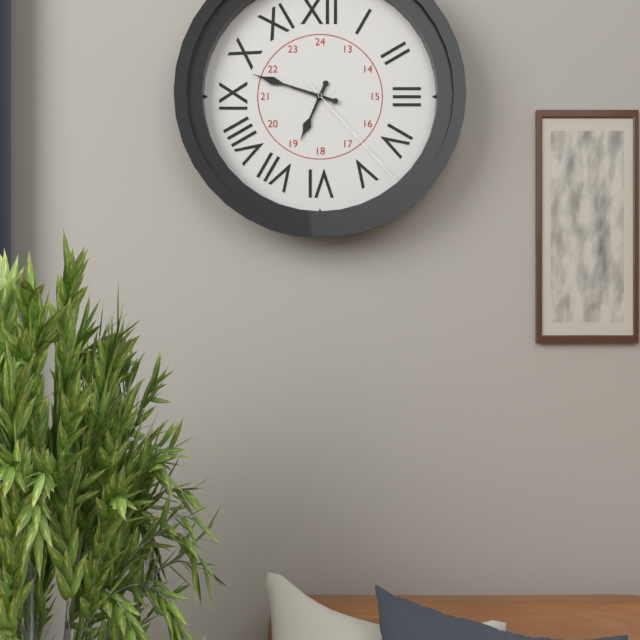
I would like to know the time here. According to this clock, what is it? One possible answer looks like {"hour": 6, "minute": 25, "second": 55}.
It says {"hour": 6, "minute": 48, "second": 23}
